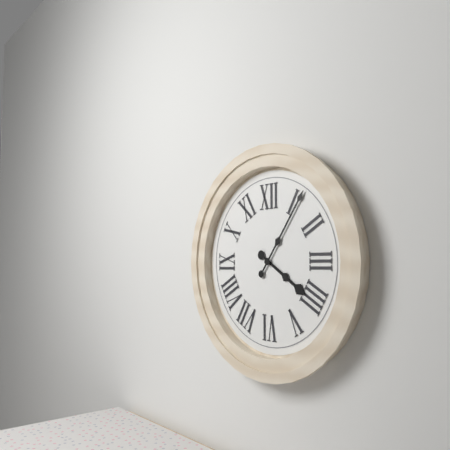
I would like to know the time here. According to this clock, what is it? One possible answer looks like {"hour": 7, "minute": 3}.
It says {"hour": 4, "minute": 6}
